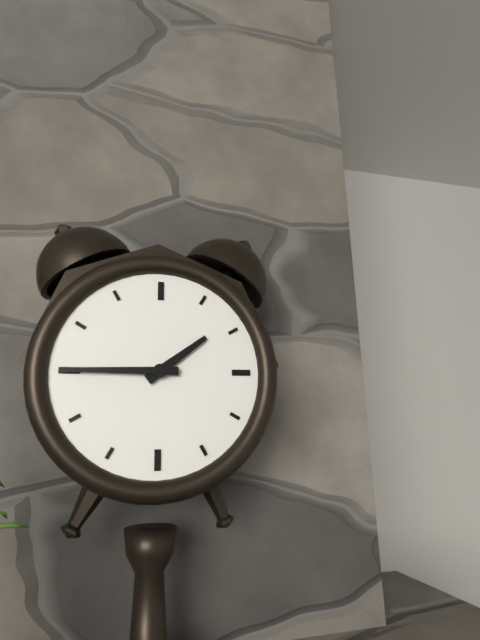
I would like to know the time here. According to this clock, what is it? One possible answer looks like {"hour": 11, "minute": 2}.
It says {"hour": 1, "minute": 45}
